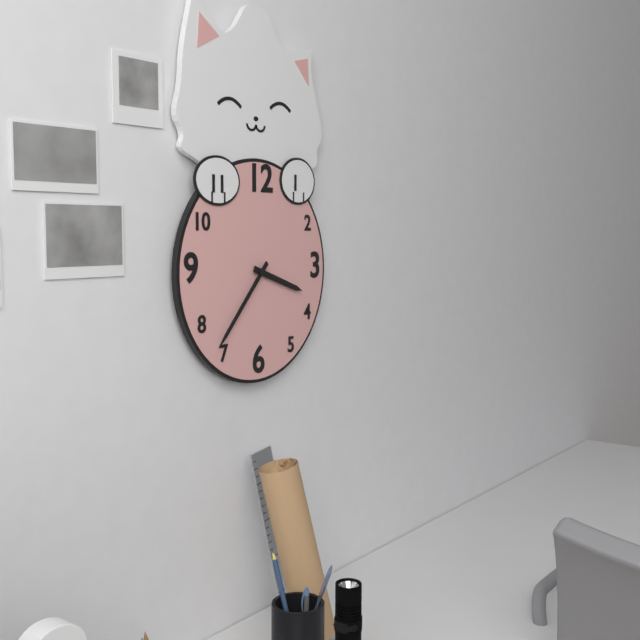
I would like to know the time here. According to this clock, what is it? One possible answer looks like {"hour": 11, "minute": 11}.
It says {"hour": 3, "minute": 37}
